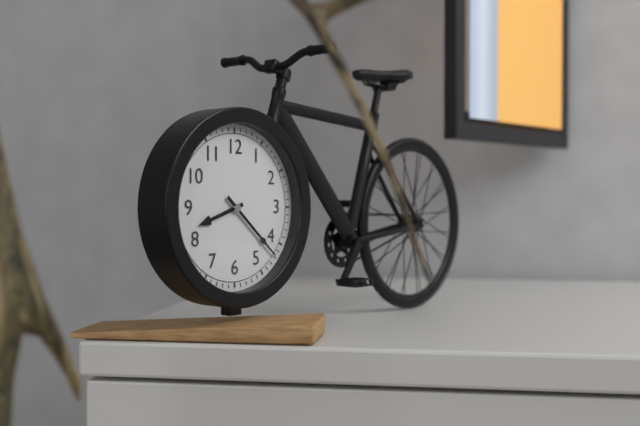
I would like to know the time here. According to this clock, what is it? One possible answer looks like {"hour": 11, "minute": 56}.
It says {"hour": 8, "minute": 22}
